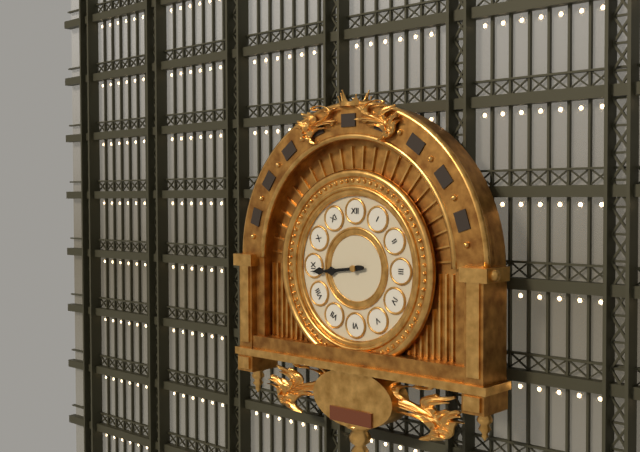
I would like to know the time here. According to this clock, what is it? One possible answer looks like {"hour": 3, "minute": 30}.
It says {"hour": 8, "minute": 44}
